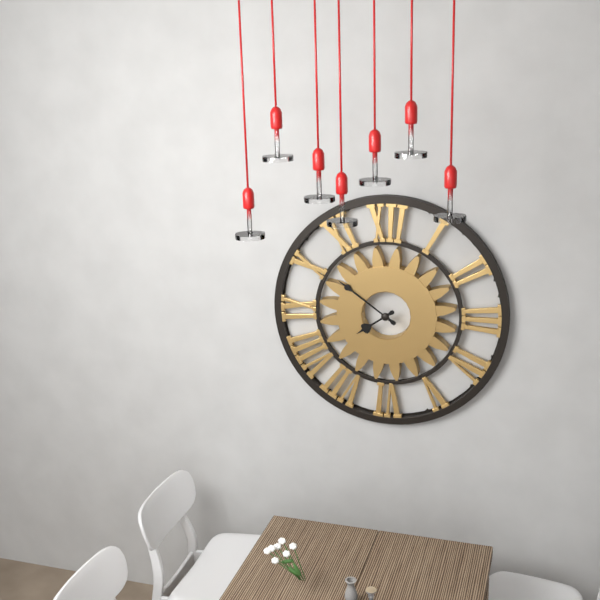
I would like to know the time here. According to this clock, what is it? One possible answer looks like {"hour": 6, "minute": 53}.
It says {"hour": 7, "minute": 51}
